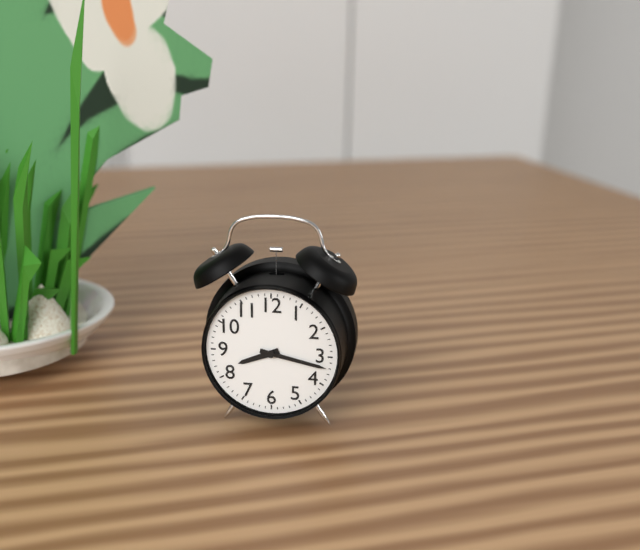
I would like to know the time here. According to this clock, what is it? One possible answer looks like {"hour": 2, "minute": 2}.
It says {"hour": 8, "minute": 17}
